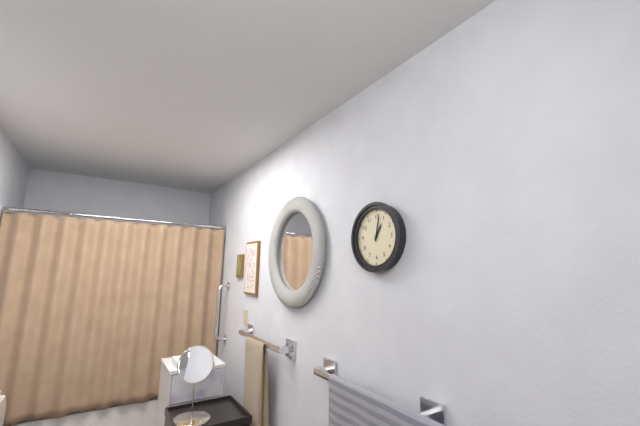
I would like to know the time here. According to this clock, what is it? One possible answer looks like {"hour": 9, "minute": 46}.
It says {"hour": 1, "minute": 2}
